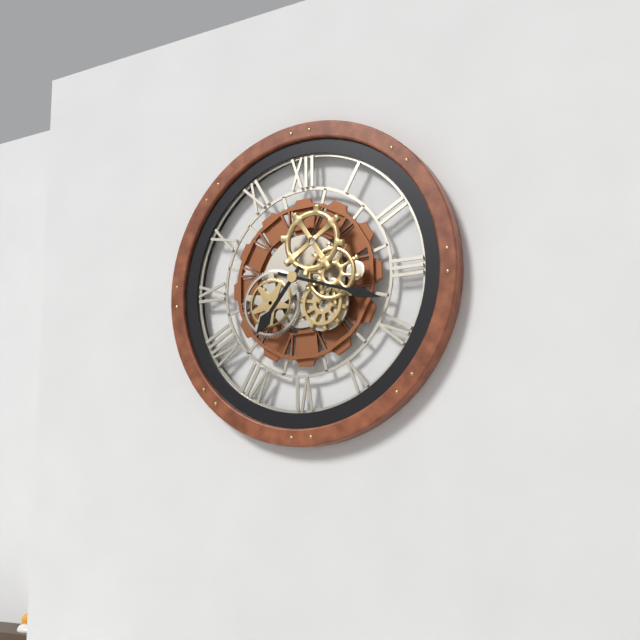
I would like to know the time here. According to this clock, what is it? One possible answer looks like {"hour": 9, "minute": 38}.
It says {"hour": 7, "minute": 18}
